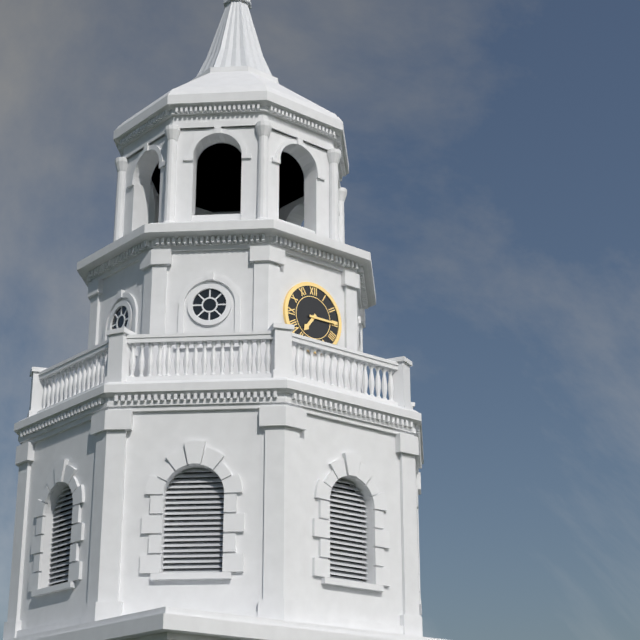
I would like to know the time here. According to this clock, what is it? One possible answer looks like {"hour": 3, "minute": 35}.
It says {"hour": 7, "minute": 15}
